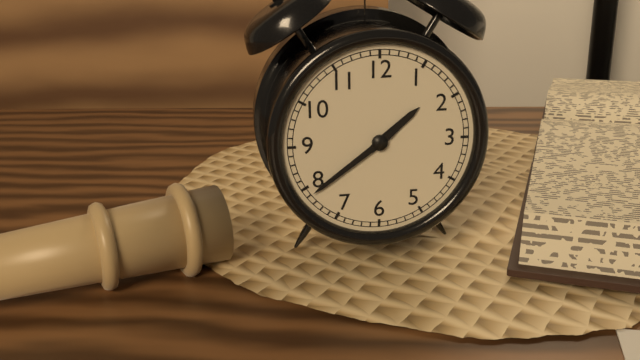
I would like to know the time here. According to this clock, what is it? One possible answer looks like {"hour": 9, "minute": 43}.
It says {"hour": 1, "minute": 39}
